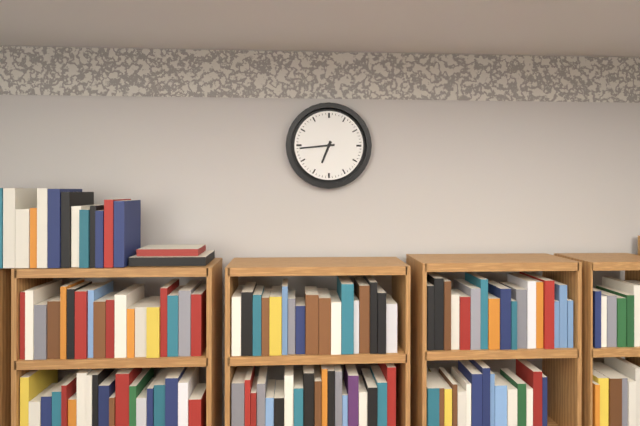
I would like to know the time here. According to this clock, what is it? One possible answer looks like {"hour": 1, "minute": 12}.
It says {"hour": 6, "minute": 44}
